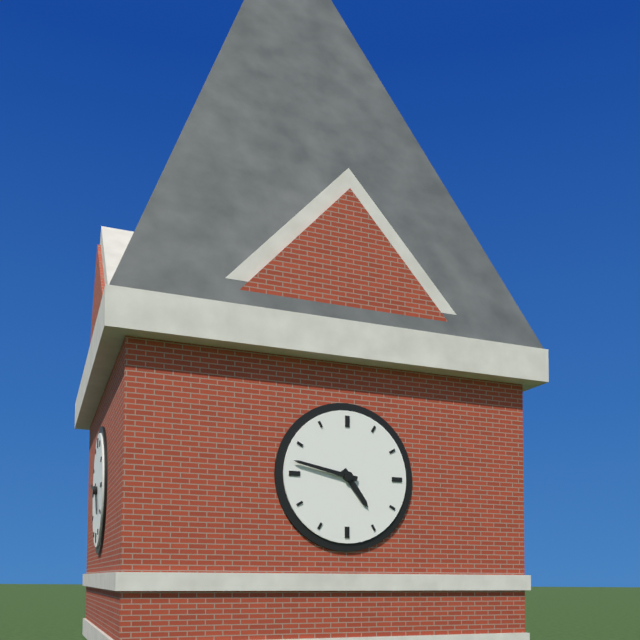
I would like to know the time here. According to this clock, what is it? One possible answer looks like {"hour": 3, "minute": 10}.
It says {"hour": 4, "minute": 47}
